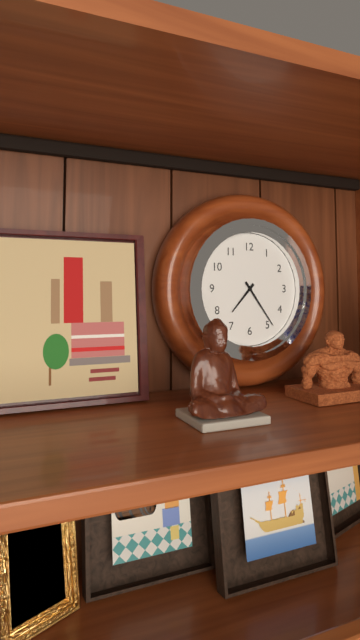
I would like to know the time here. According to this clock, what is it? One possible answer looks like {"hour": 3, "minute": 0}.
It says {"hour": 7, "minute": 24}
